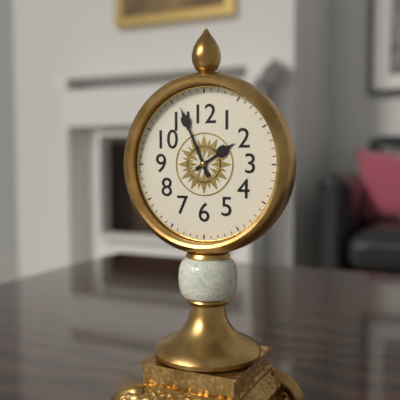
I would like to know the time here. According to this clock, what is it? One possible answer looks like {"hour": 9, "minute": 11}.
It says {"hour": 1, "minute": 56}
